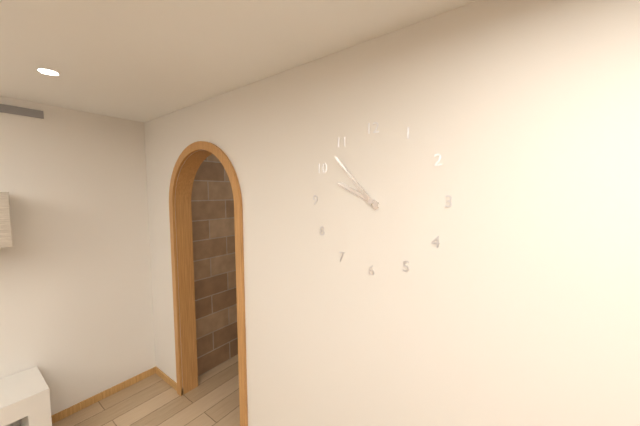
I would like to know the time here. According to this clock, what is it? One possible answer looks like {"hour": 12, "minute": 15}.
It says {"hour": 9, "minute": 53}
